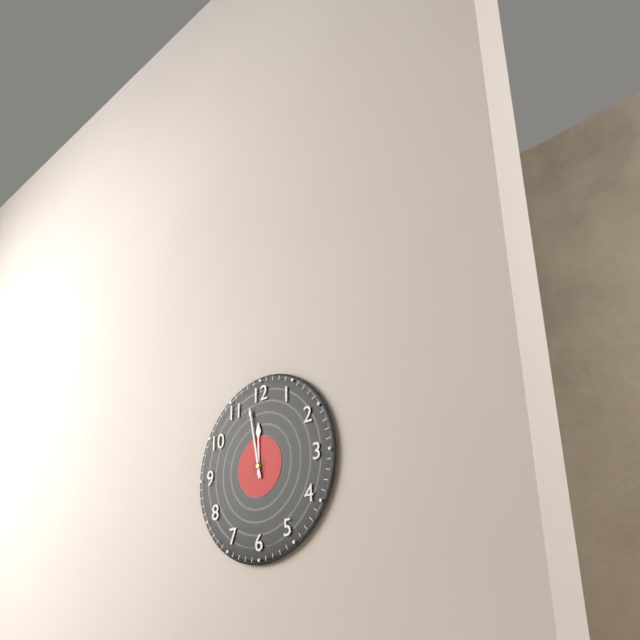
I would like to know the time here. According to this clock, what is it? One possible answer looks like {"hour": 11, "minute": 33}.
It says {"hour": 11, "minute": 58}
